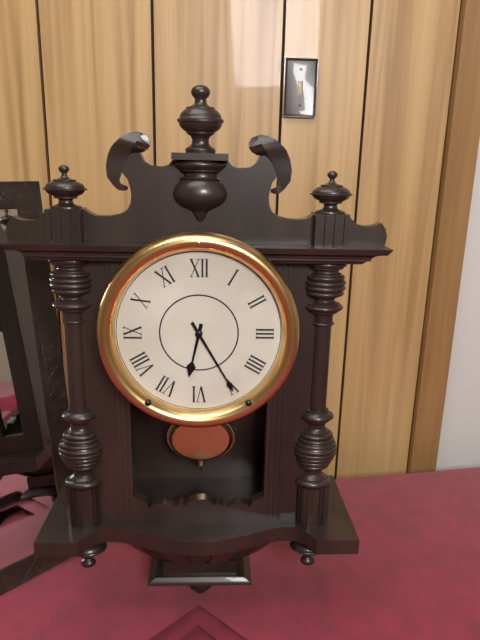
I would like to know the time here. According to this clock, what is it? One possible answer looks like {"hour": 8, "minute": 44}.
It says {"hour": 6, "minute": 25}
